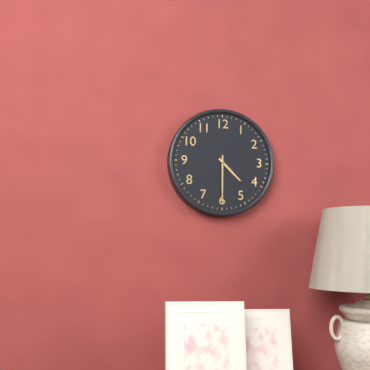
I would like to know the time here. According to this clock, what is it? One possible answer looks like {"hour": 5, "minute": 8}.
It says {"hour": 4, "minute": 30}
